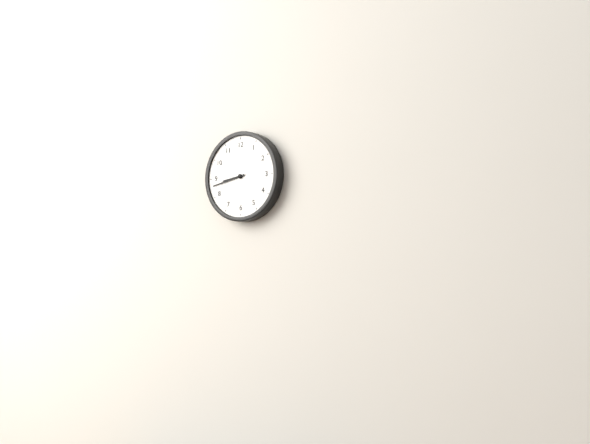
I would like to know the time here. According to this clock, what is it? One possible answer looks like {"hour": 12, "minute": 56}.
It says {"hour": 8, "minute": 43}
